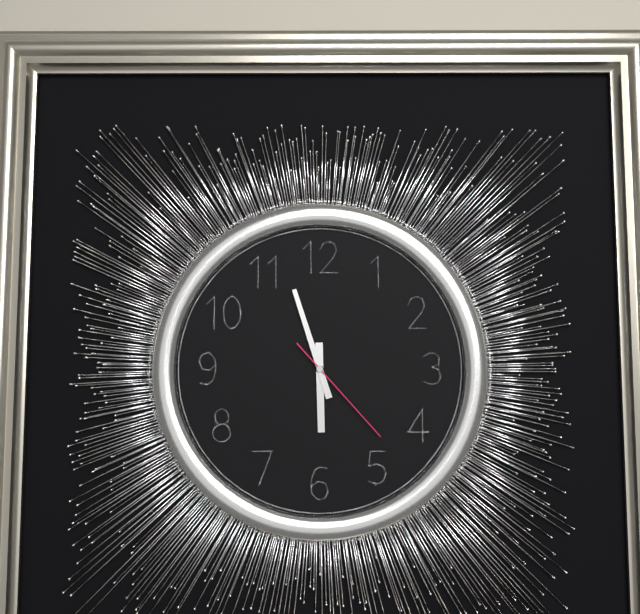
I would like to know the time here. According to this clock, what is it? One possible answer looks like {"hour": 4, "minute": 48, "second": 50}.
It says {"hour": 5, "minute": 57, "second": 23}
